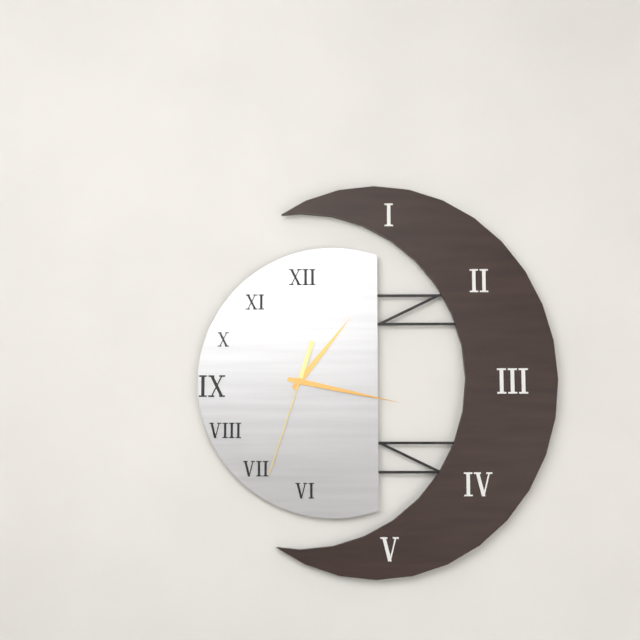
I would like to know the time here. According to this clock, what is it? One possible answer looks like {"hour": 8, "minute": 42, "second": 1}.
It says {"hour": 1, "minute": 17, "second": 33}
